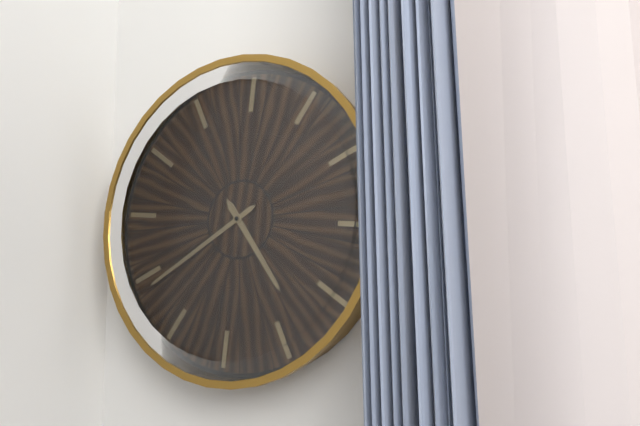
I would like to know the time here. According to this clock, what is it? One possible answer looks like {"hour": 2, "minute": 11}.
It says {"hour": 4, "minute": 39}
